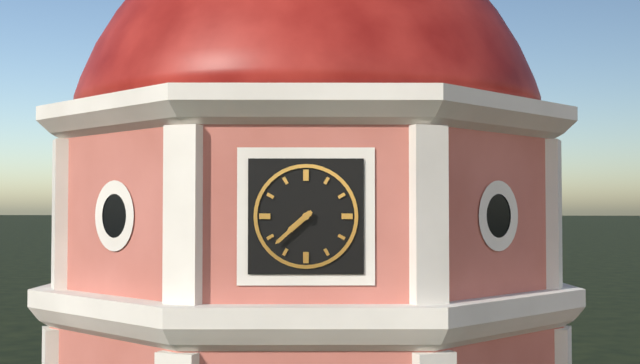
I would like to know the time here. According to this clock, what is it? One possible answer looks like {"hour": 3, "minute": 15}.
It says {"hour": 7, "minute": 38}
